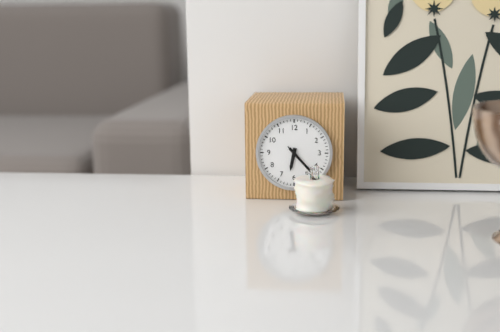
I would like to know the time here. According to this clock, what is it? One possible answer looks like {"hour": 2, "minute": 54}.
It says {"hour": 6, "minute": 23}
